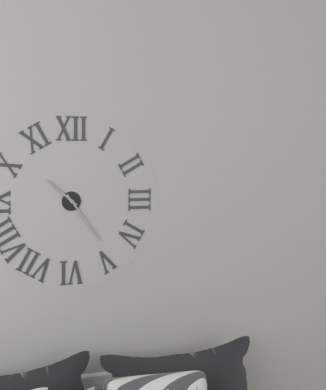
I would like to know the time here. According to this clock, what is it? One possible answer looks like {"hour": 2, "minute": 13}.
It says {"hour": 10, "minute": 24}
